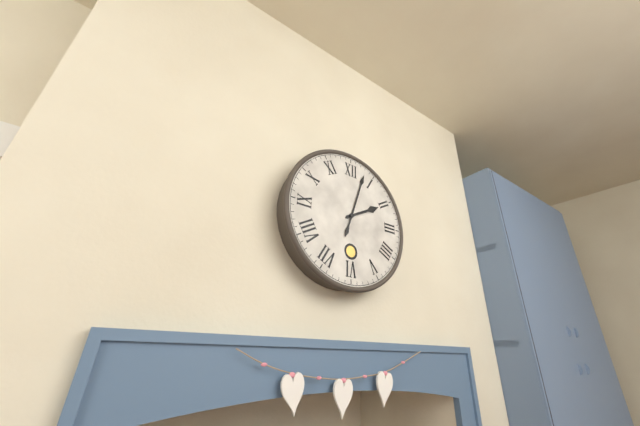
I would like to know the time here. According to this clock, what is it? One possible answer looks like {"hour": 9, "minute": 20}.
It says {"hour": 2, "minute": 3}
